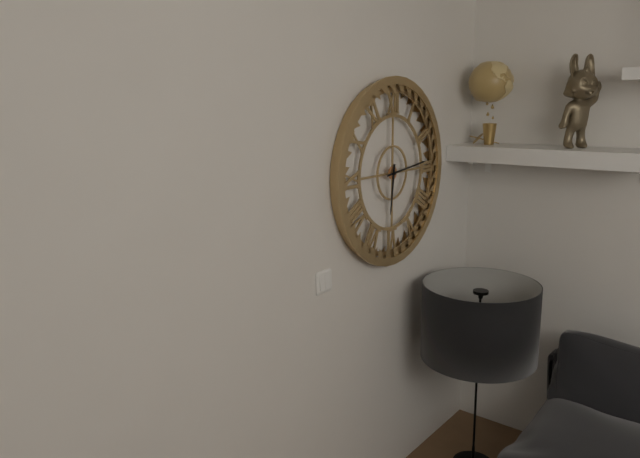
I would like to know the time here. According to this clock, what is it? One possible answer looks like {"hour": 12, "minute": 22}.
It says {"hour": 6, "minute": 14}
